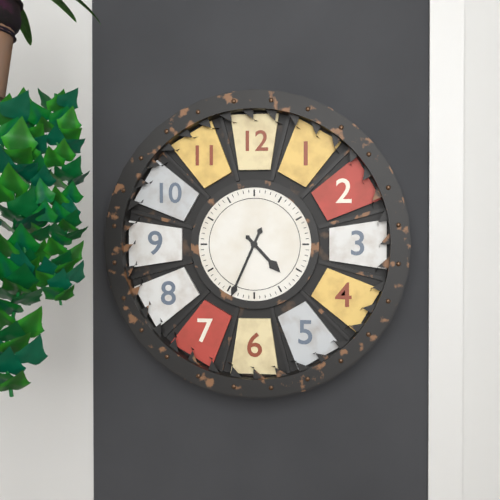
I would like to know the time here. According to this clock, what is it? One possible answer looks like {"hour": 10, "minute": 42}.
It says {"hour": 4, "minute": 34}
